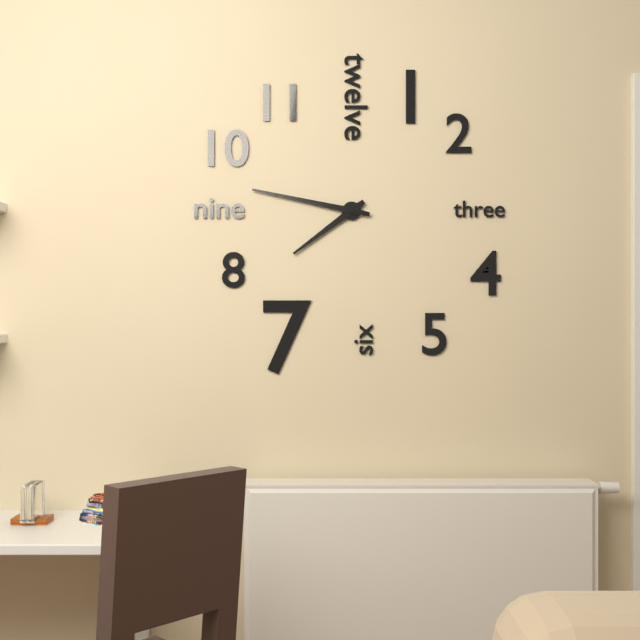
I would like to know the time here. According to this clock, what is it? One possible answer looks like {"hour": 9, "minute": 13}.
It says {"hour": 7, "minute": 47}
